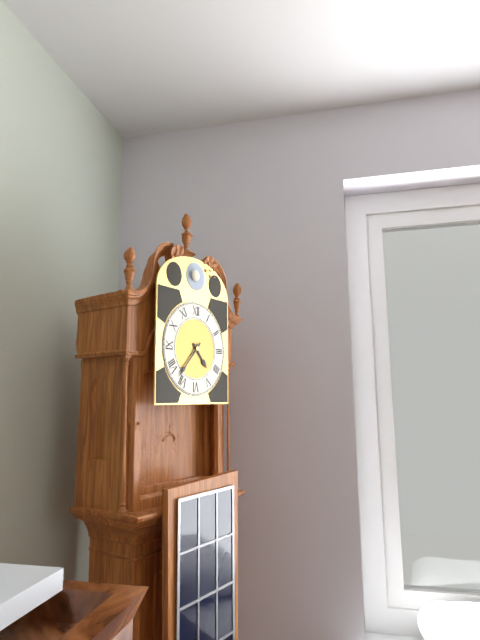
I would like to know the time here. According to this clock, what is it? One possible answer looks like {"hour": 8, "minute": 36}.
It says {"hour": 4, "minute": 37}
